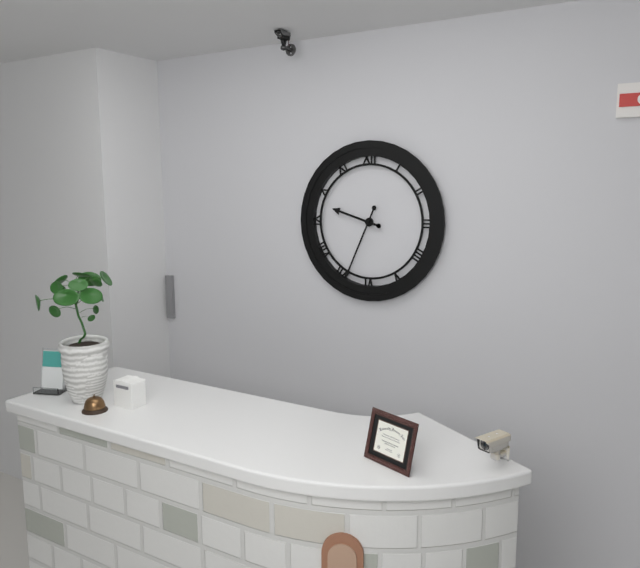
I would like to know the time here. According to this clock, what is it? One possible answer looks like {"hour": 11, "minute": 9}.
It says {"hour": 9, "minute": 34}
